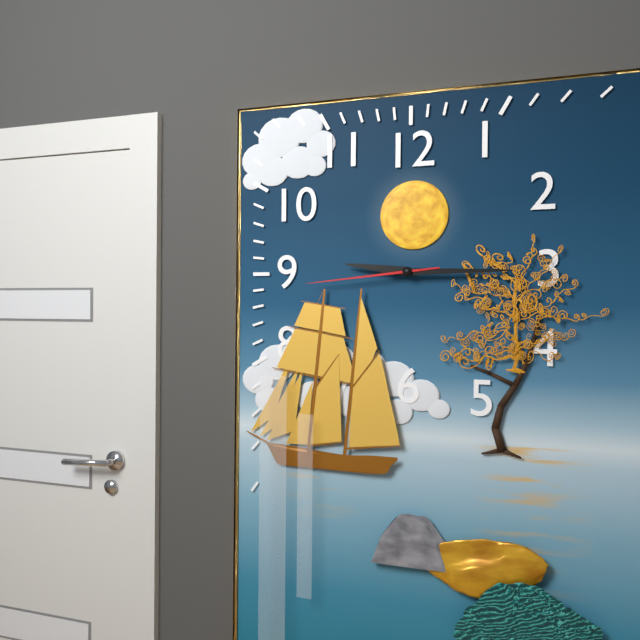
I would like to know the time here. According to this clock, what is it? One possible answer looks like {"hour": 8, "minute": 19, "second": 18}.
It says {"hour": 9, "minute": 15, "second": 44}
